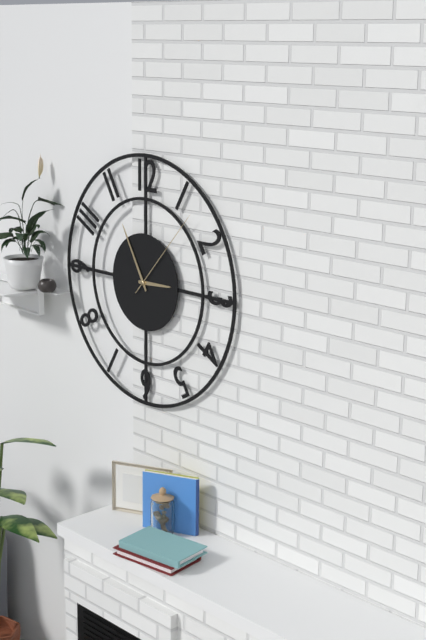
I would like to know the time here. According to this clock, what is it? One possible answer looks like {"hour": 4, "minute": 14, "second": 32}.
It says {"hour": 2, "minute": 55, "second": 7}
